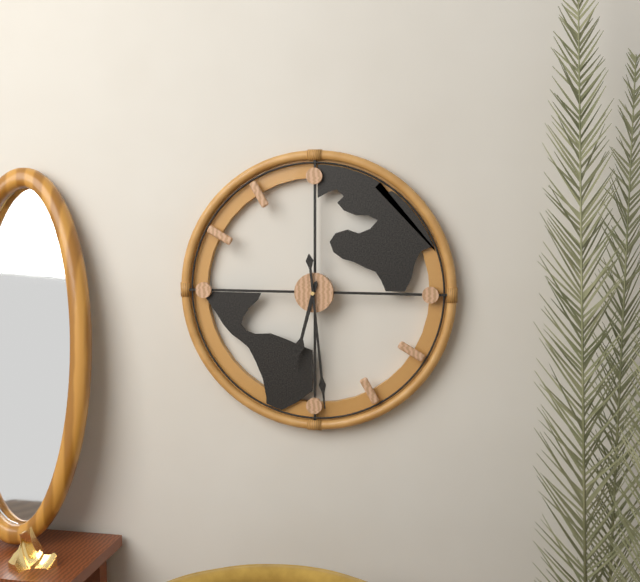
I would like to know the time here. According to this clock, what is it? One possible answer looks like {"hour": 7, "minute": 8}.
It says {"hour": 6, "minute": 29}
